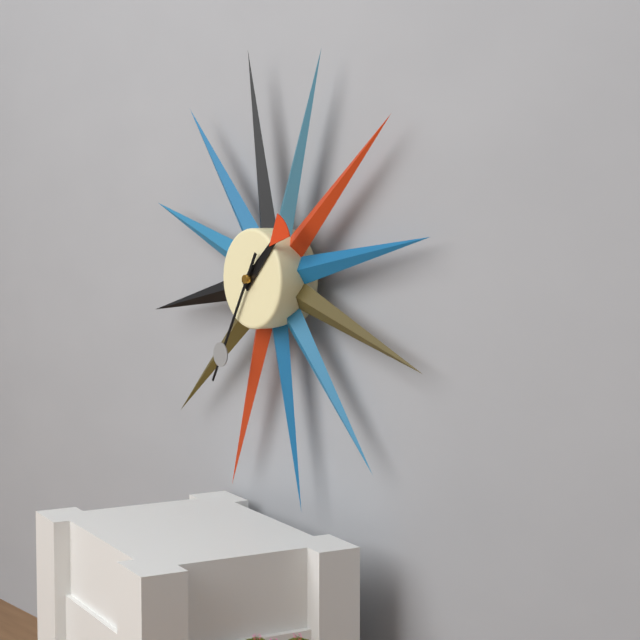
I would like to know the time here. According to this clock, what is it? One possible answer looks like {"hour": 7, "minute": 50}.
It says {"hour": 1, "minute": 35}
